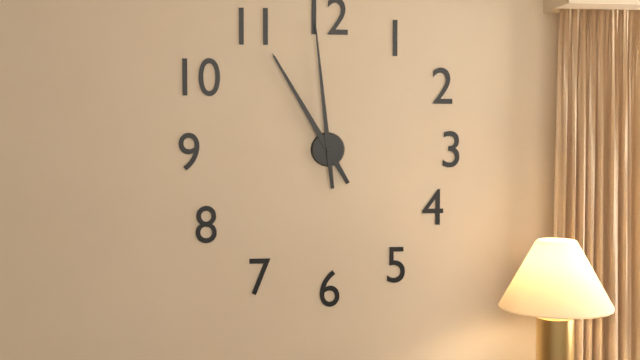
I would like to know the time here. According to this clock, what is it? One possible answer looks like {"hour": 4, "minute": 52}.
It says {"hour": 10, "minute": 59}
